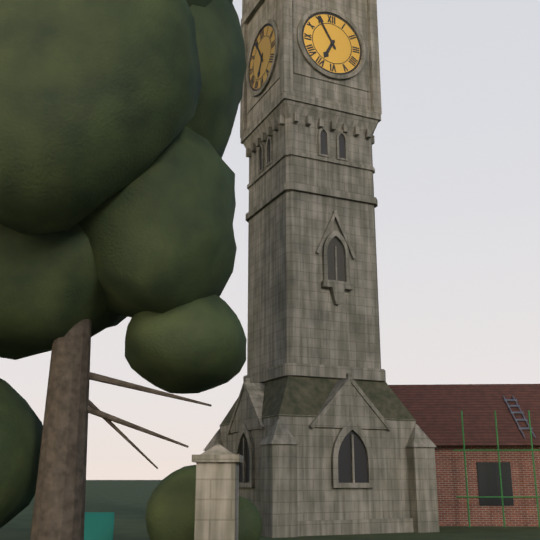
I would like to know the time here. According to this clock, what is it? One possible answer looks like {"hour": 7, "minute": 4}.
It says {"hour": 6, "minute": 55}
